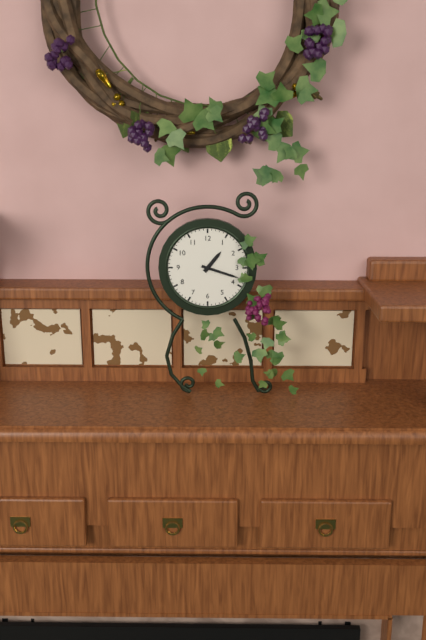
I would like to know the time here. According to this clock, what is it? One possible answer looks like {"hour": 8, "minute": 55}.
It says {"hour": 1, "minute": 18}
